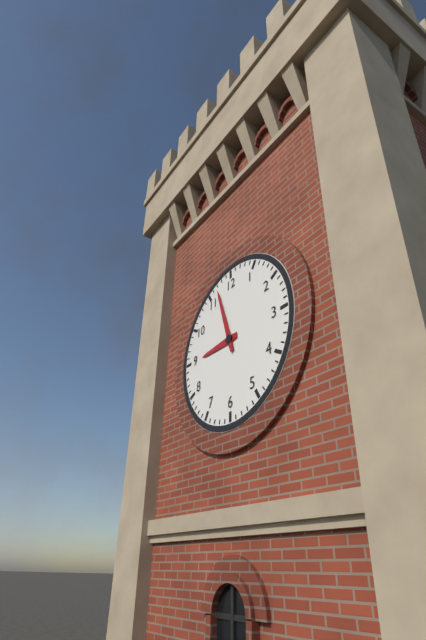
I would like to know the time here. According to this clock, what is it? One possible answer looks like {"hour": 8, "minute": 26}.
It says {"hour": 8, "minute": 57}
